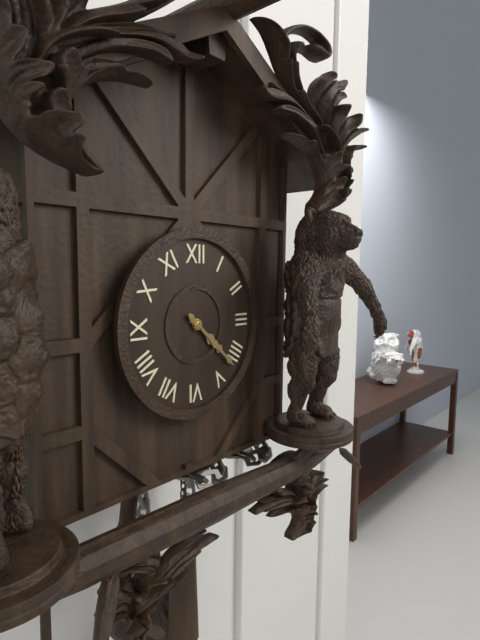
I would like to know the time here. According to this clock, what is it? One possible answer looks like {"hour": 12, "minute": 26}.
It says {"hour": 4, "minute": 22}
